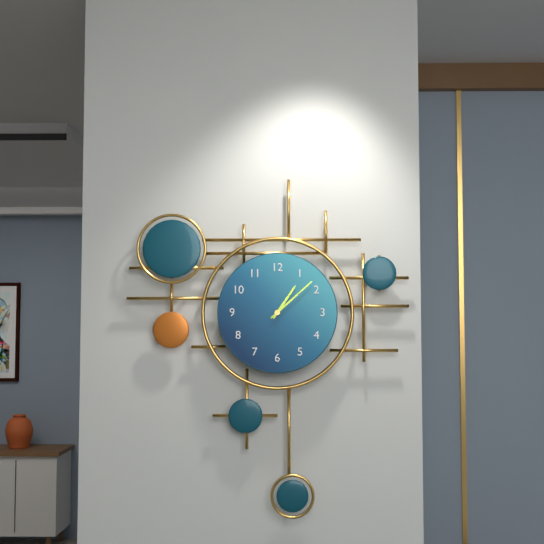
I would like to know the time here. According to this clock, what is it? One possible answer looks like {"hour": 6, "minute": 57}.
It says {"hour": 1, "minute": 8}
